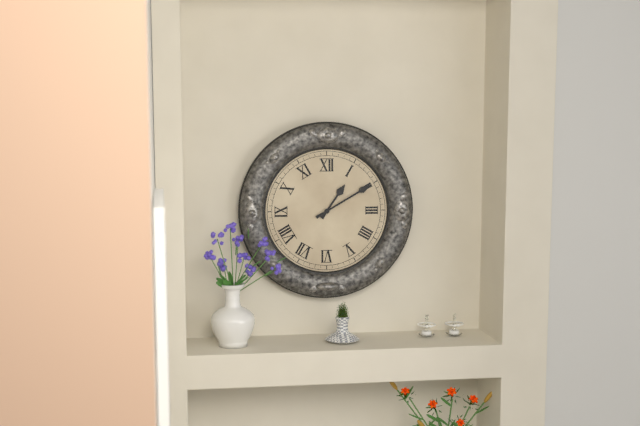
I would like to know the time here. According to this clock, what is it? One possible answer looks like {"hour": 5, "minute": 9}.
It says {"hour": 1, "minute": 10}
